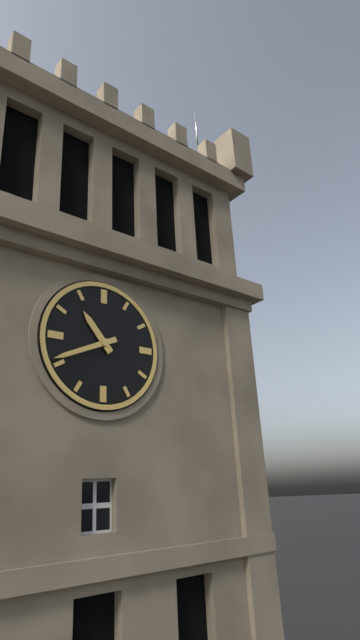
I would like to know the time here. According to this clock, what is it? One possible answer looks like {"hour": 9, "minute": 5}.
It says {"hour": 10, "minute": 41}
